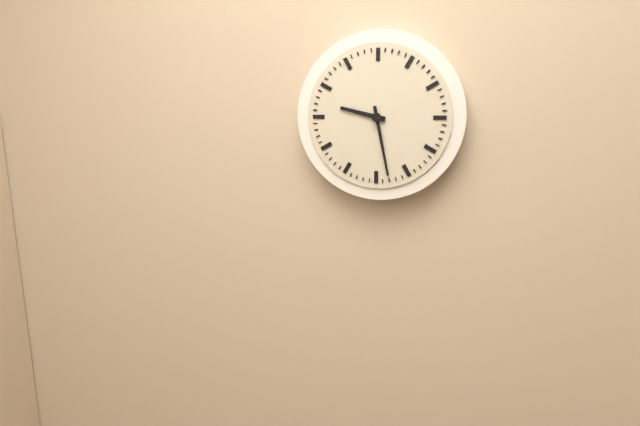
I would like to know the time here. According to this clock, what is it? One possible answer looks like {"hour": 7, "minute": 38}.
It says {"hour": 9, "minute": 28}
